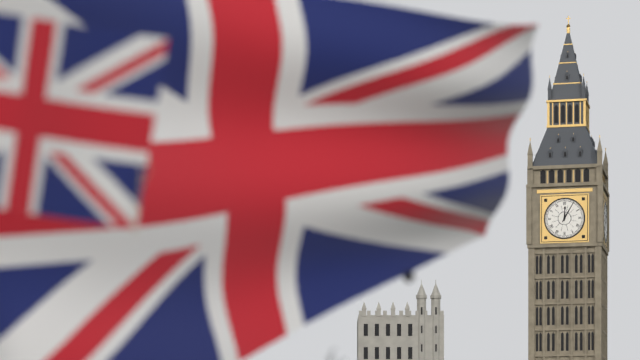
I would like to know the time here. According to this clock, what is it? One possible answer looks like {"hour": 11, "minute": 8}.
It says {"hour": 12, "minute": 5}
